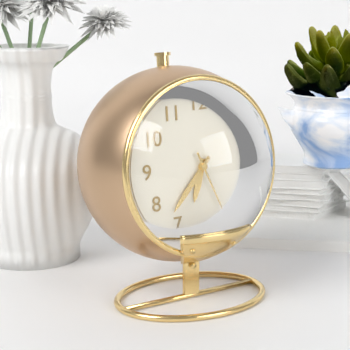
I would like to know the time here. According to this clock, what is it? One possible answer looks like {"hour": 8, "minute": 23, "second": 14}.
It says {"hour": 6, "minute": 37, "second": 26}
